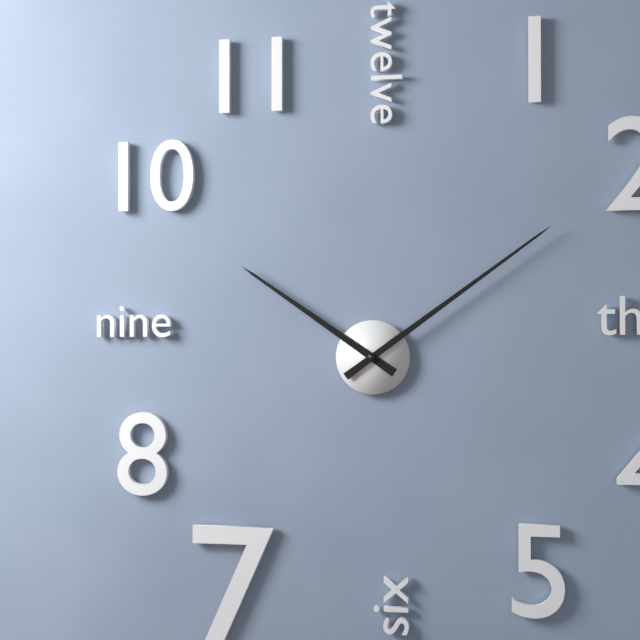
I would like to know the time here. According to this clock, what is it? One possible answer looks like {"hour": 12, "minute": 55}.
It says {"hour": 10, "minute": 9}
